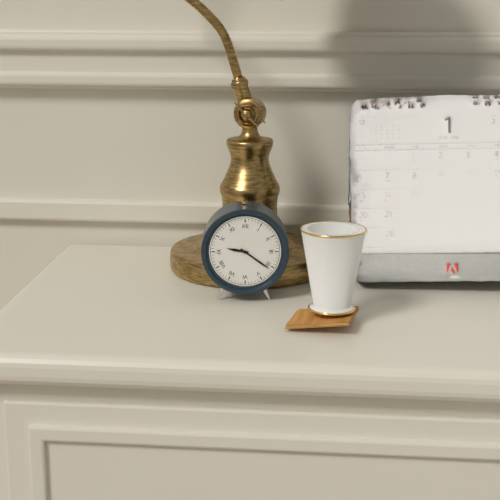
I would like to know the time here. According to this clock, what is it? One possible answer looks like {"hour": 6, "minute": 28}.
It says {"hour": 9, "minute": 21}
